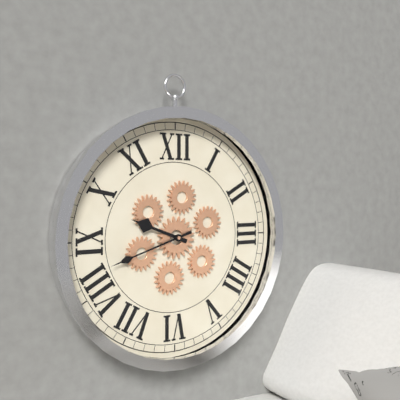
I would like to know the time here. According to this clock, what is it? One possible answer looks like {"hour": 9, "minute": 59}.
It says {"hour": 9, "minute": 42}
